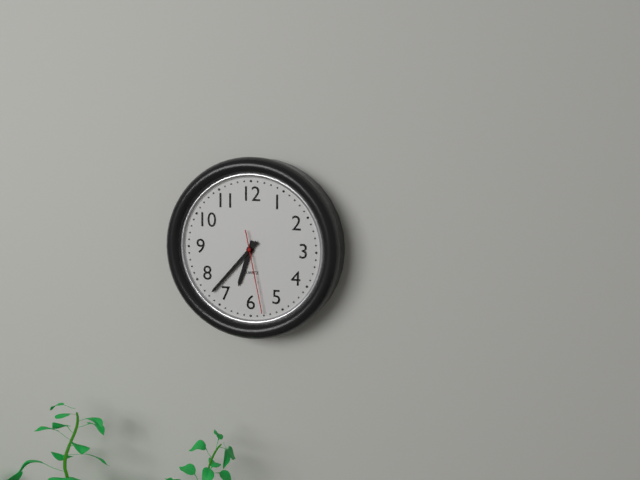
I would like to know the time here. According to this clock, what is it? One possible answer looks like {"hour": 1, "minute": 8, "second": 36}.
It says {"hour": 6, "minute": 37, "second": 28}
